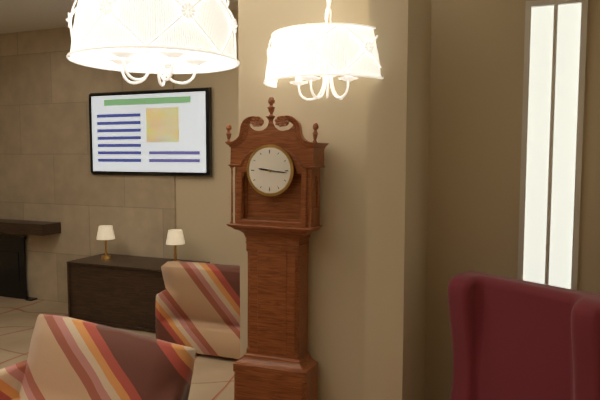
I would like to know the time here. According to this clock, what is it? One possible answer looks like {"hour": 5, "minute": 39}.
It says {"hour": 9, "minute": 16}
